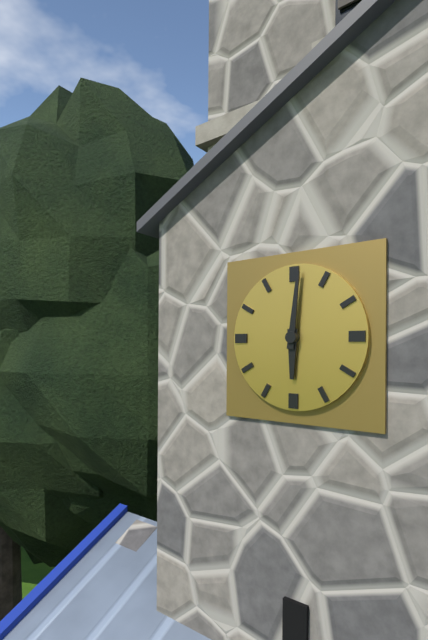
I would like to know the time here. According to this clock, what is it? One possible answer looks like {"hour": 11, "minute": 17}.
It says {"hour": 6, "minute": 1}
